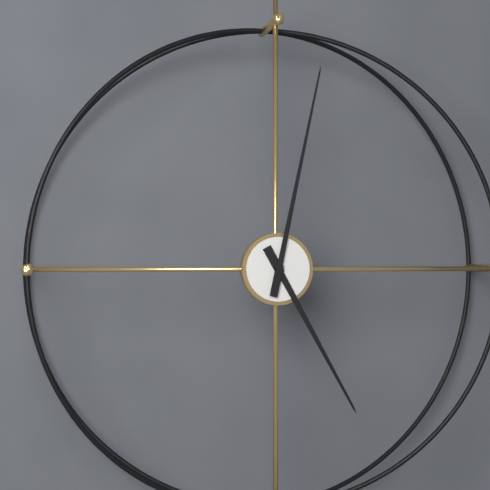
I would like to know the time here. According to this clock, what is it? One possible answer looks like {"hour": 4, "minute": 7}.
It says {"hour": 5, "minute": 2}
